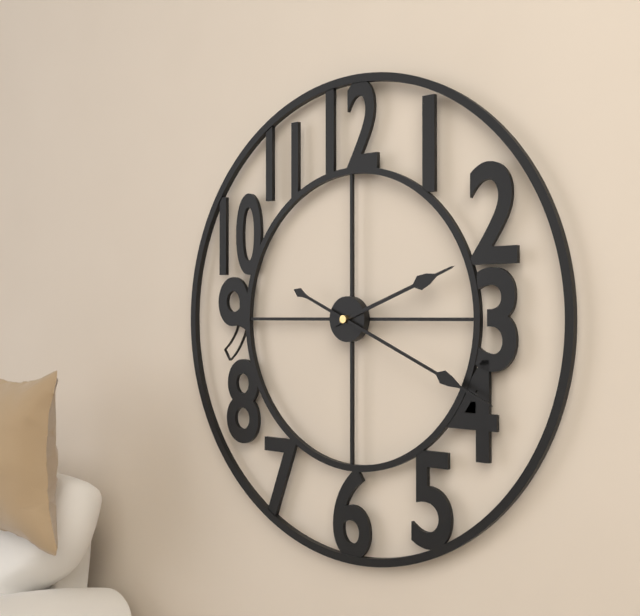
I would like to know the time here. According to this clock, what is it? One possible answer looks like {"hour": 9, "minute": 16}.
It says {"hour": 2, "minute": 19}
